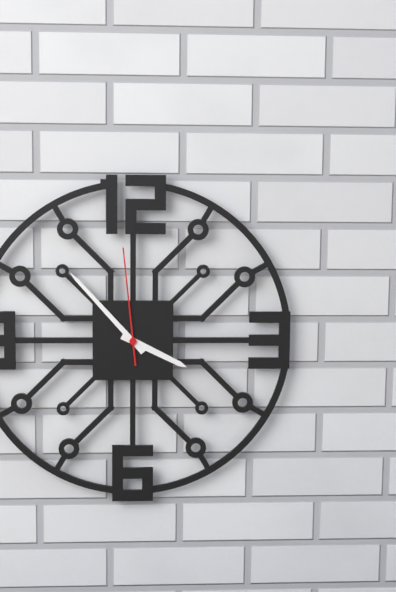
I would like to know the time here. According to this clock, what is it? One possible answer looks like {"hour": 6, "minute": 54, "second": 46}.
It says {"hour": 3, "minute": 53, "second": 59}
